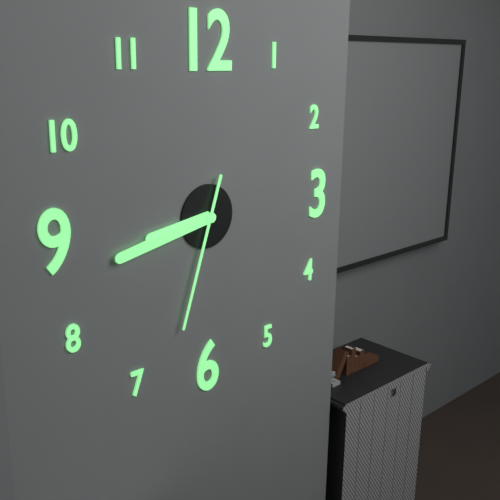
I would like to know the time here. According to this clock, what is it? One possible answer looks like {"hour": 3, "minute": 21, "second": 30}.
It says {"hour": 8, "minute": 43, "second": 33}
